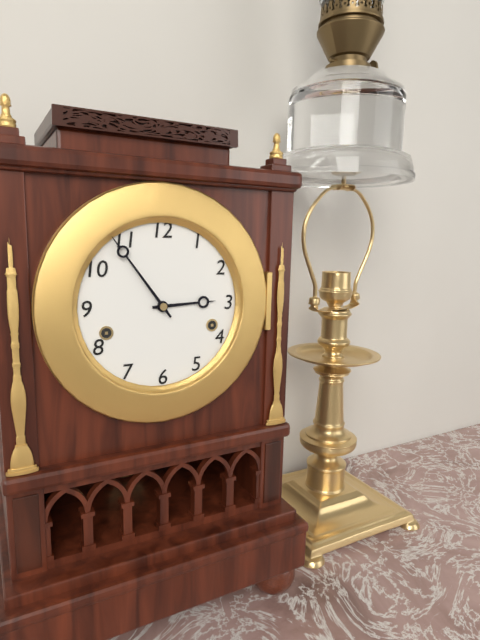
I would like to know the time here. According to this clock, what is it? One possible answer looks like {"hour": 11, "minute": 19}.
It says {"hour": 2, "minute": 54}
